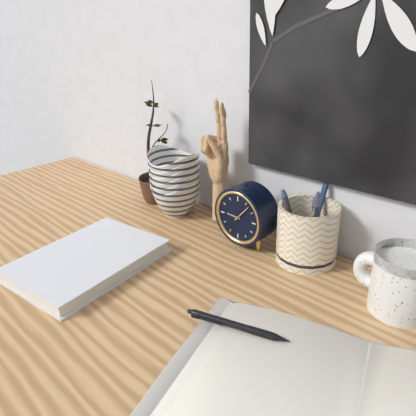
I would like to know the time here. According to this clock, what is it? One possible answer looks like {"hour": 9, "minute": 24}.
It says {"hour": 9, "minute": 7}
